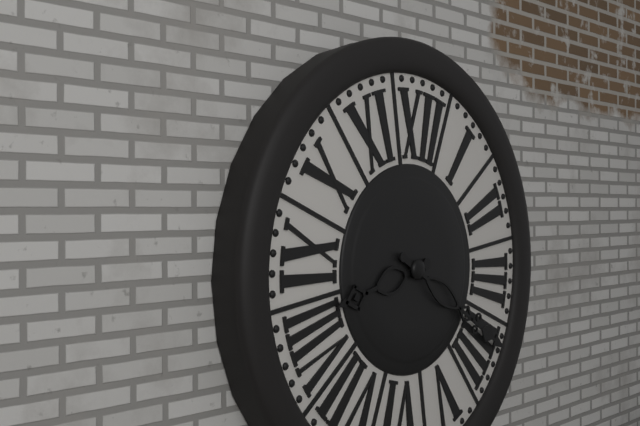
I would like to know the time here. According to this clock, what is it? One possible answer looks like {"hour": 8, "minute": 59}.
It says {"hour": 8, "minute": 19}
